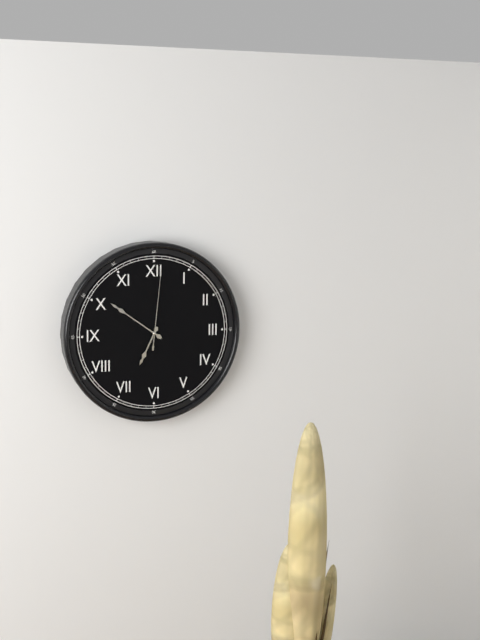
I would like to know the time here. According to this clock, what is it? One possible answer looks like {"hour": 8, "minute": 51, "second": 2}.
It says {"hour": 6, "minute": 51, "second": 1}
